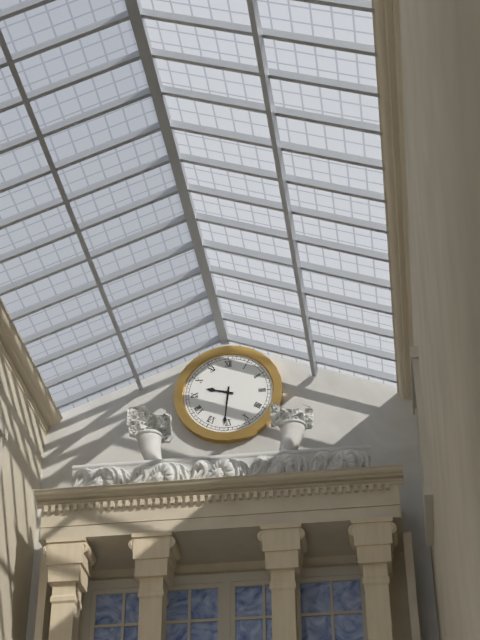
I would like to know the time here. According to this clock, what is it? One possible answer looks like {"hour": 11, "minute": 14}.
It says {"hour": 9, "minute": 31}
